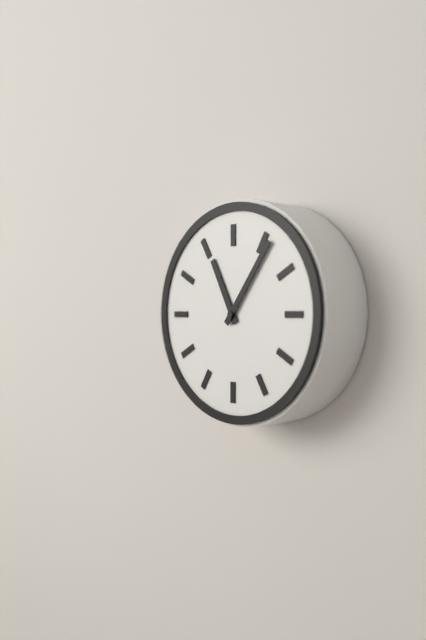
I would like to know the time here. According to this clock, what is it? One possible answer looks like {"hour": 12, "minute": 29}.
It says {"hour": 11, "minute": 6}
